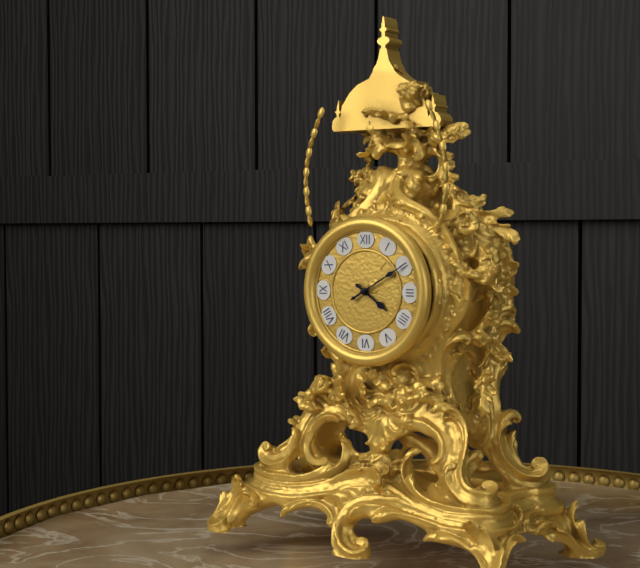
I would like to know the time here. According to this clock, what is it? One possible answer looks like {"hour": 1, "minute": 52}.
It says {"hour": 4, "minute": 10}
